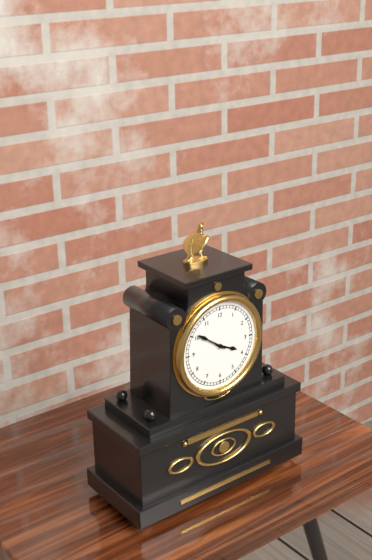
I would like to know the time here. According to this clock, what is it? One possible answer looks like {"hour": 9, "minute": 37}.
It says {"hour": 3, "minute": 51}
